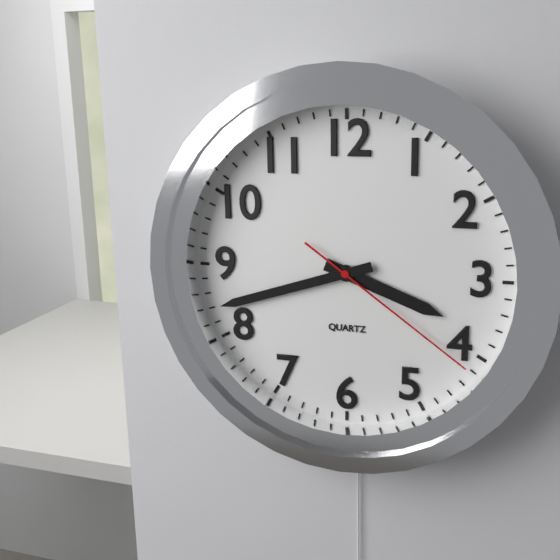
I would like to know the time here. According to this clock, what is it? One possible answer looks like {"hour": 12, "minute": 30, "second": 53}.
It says {"hour": 3, "minute": 42, "second": 21}
